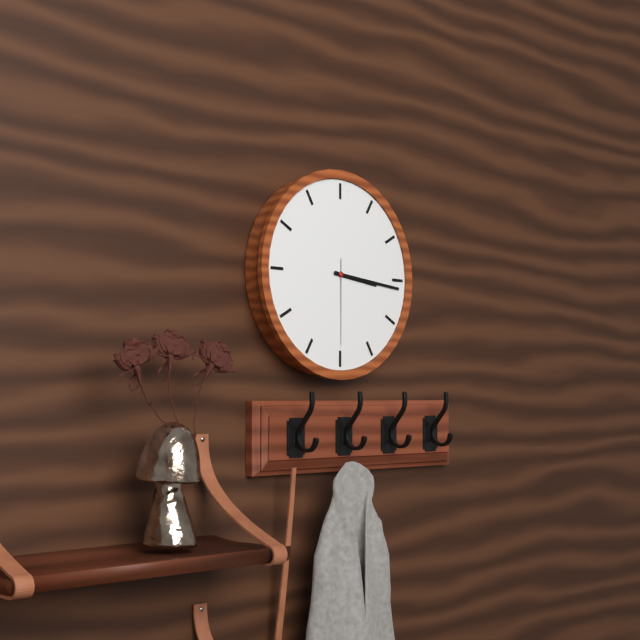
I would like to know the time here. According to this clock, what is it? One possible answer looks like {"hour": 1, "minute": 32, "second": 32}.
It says {"hour": 3, "minute": 16, "second": 30}
